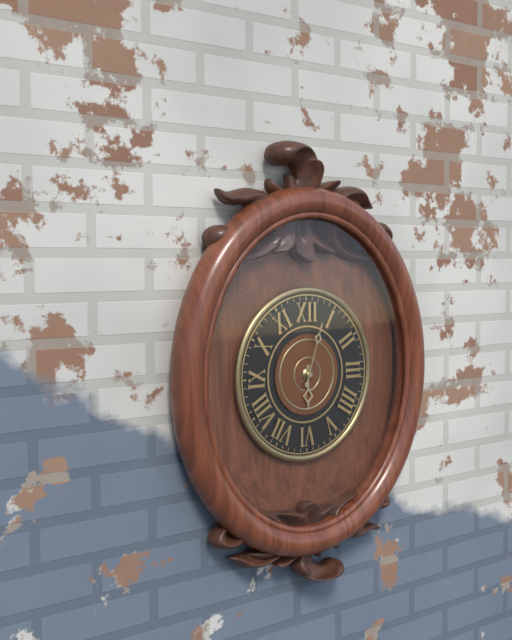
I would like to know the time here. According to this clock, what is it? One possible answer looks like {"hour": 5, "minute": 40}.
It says {"hour": 6, "minute": 3}
